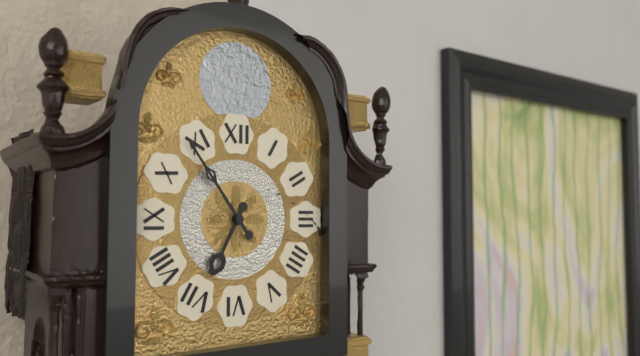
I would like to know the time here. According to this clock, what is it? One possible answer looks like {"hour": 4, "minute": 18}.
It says {"hour": 6, "minute": 54}
